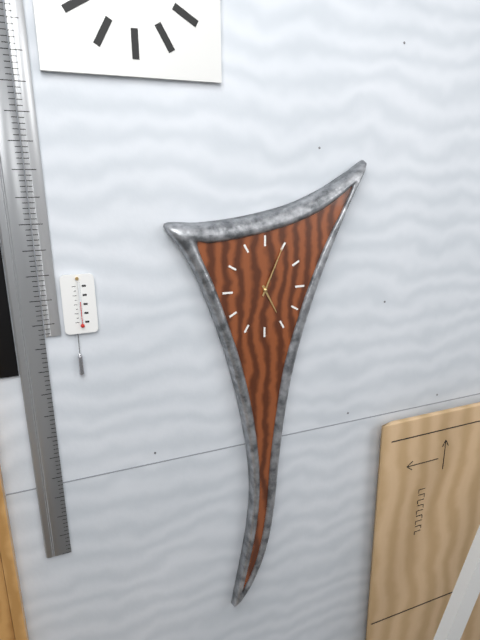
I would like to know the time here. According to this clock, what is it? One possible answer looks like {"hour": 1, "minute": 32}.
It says {"hour": 5, "minute": 4}
